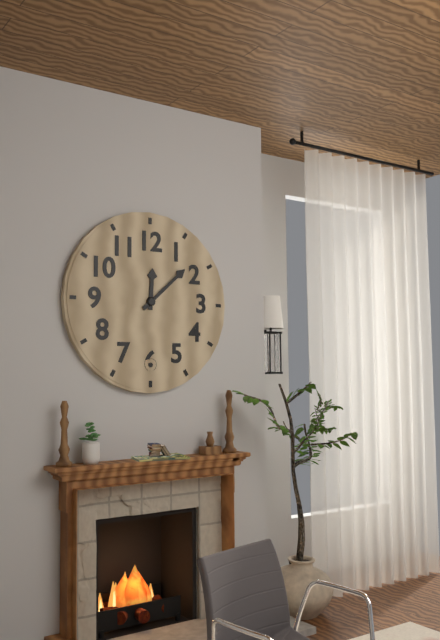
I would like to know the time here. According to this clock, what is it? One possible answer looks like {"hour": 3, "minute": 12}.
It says {"hour": 12, "minute": 8}
